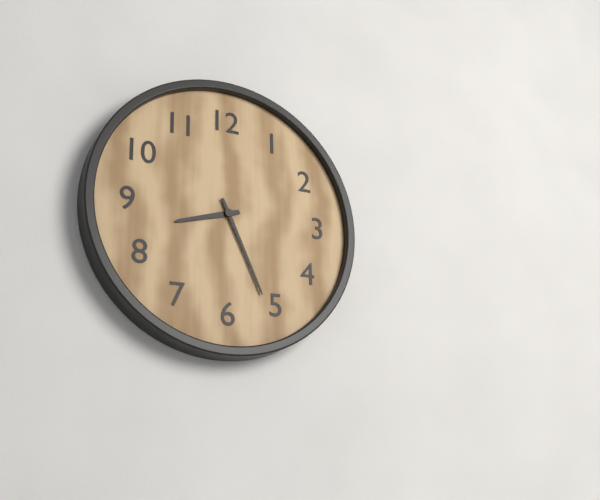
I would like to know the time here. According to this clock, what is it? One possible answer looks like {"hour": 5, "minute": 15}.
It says {"hour": 8, "minute": 26}
